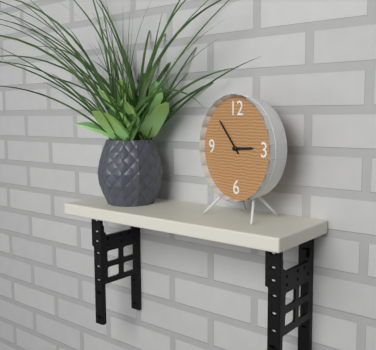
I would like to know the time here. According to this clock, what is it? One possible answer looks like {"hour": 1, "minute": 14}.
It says {"hour": 2, "minute": 53}
